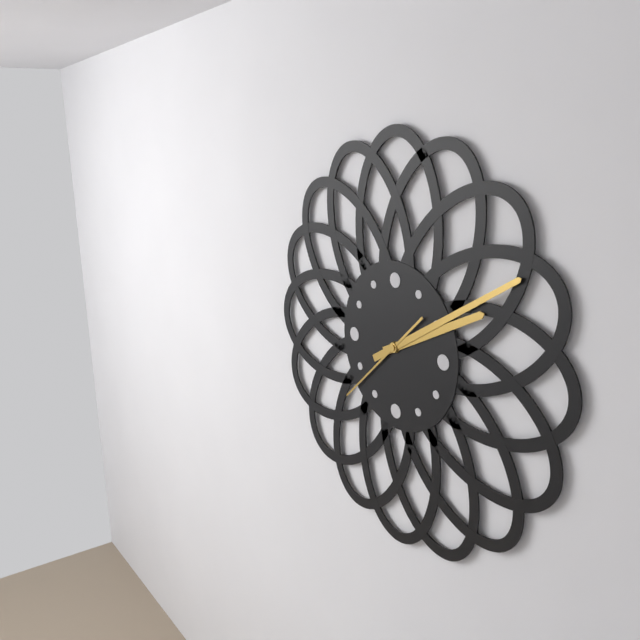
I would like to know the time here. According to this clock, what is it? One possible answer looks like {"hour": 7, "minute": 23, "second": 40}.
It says {"hour": 2, "minute": 10, "second": 38}
